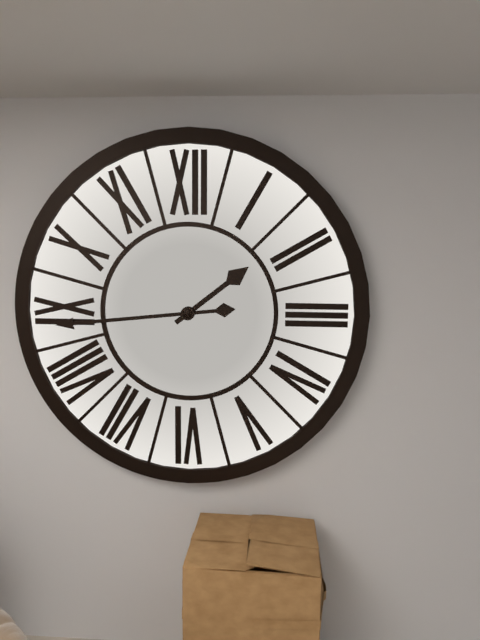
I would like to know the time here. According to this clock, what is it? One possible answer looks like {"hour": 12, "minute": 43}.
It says {"hour": 1, "minute": 44}
